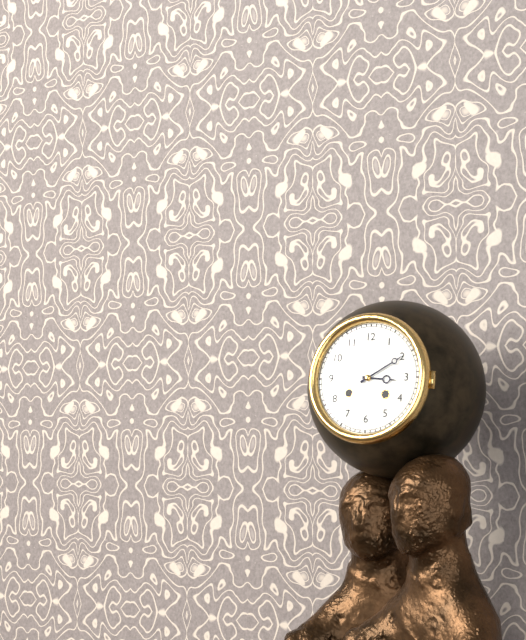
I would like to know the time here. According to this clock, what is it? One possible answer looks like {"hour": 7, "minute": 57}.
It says {"hour": 3, "minute": 10}
